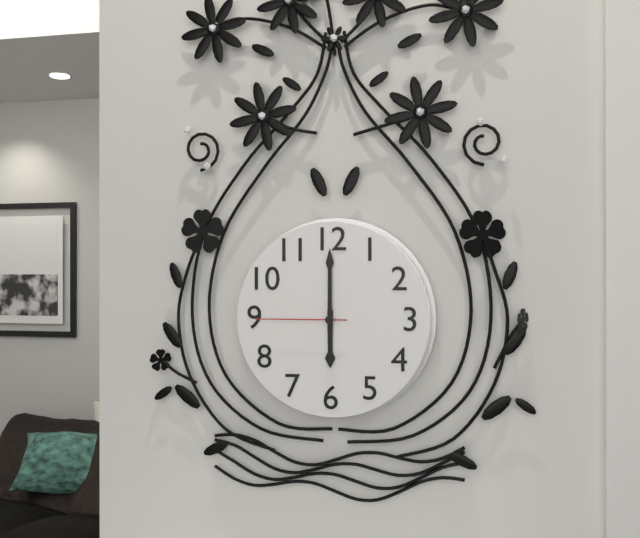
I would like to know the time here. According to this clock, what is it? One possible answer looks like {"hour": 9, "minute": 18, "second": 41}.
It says {"hour": 6, "minute": 0, "second": 45}
